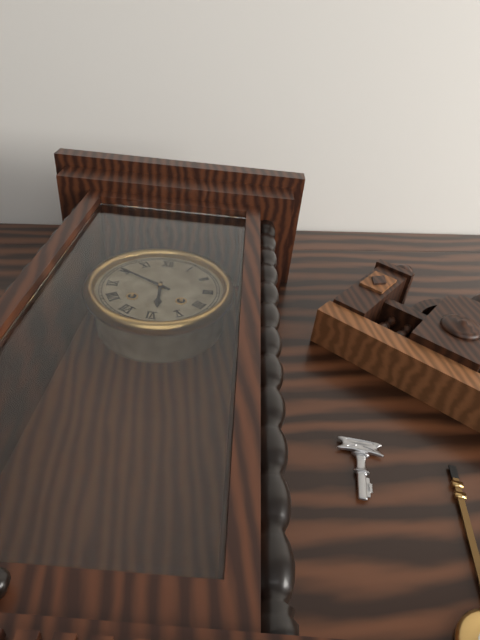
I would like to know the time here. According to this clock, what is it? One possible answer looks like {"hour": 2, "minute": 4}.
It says {"hour": 5, "minute": 50}
